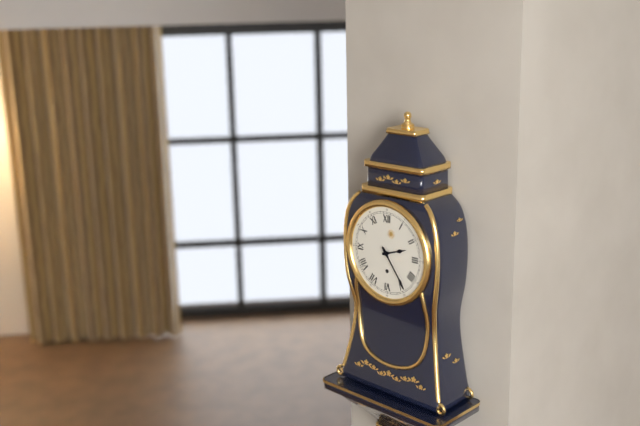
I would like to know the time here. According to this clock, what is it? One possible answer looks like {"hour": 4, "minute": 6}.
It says {"hour": 2, "minute": 24}
